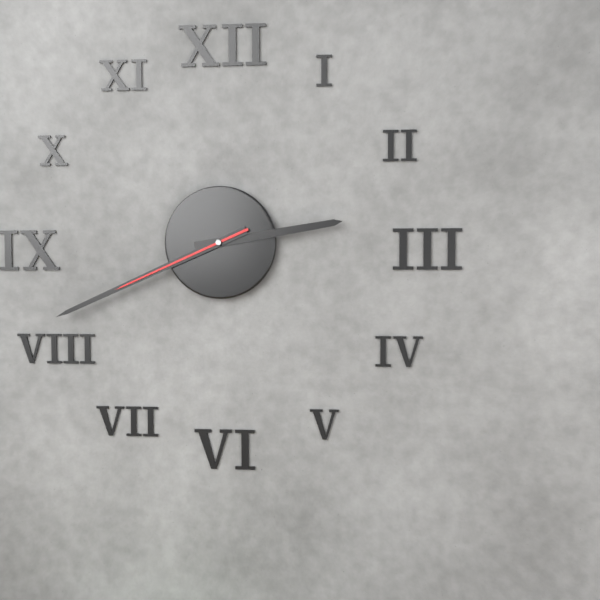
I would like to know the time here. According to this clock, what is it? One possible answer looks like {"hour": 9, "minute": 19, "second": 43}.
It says {"hour": 2, "minute": 41, "second": 41}
